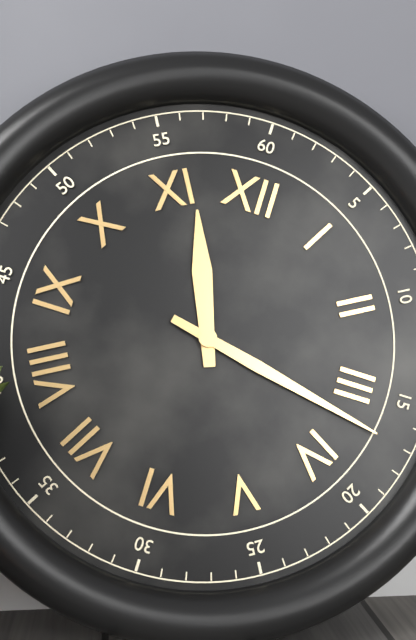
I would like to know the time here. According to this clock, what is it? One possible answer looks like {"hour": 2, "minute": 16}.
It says {"hour": 11, "minute": 17}
